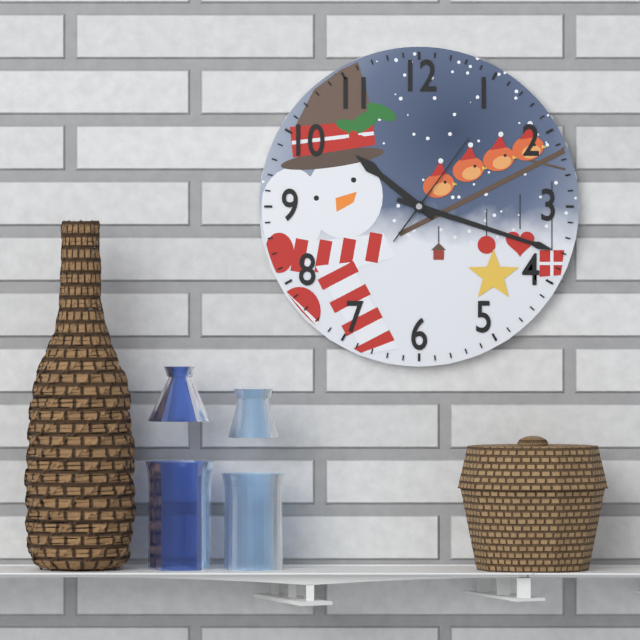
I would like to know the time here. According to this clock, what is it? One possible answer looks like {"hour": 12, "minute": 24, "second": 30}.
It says {"hour": 10, "minute": 18, "second": 6}
